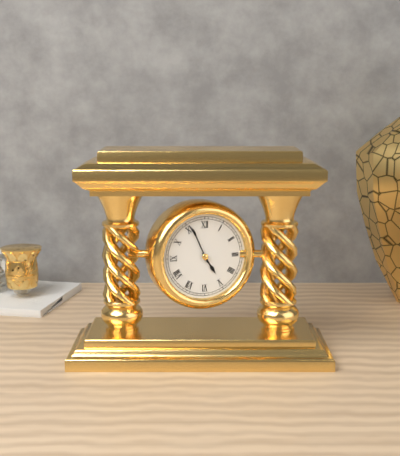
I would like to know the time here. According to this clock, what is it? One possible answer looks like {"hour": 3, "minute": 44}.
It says {"hour": 4, "minute": 56}
